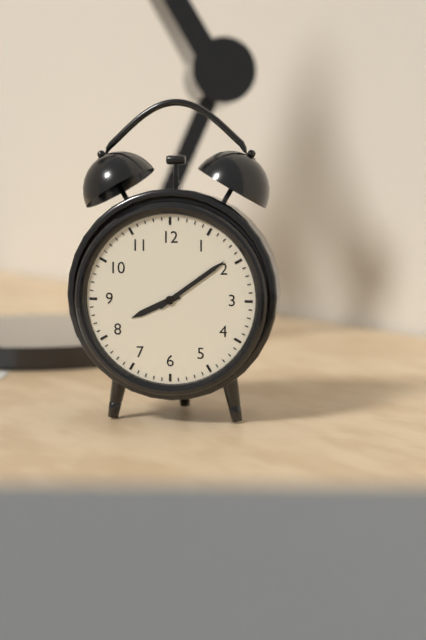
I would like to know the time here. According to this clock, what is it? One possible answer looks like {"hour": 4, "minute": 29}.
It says {"hour": 8, "minute": 9}
